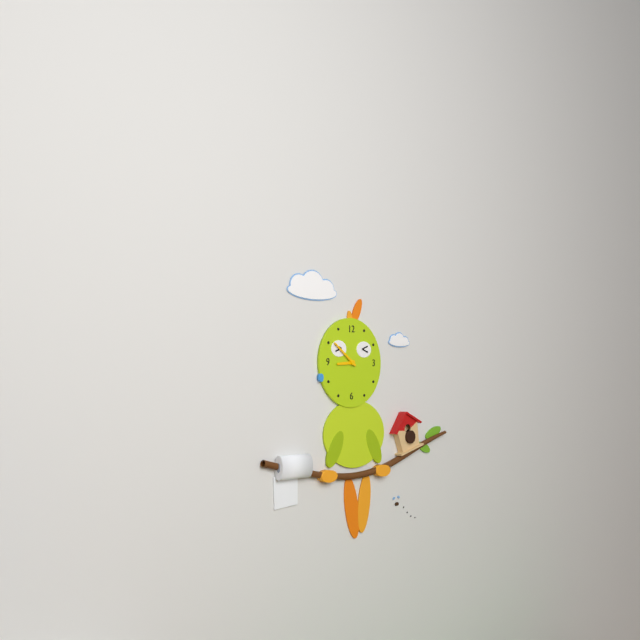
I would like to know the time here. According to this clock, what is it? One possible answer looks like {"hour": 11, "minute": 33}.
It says {"hour": 8, "minute": 51}
